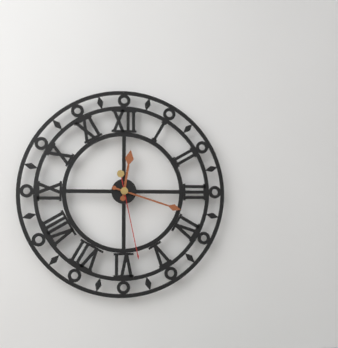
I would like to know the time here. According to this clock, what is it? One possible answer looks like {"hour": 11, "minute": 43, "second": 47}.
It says {"hour": 12, "minute": 18, "second": 28}
